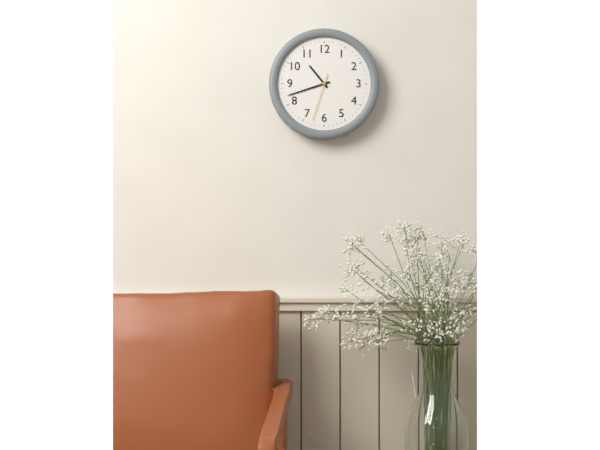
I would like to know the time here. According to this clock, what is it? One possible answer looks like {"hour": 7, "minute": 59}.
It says {"hour": 10, "minute": 42}
